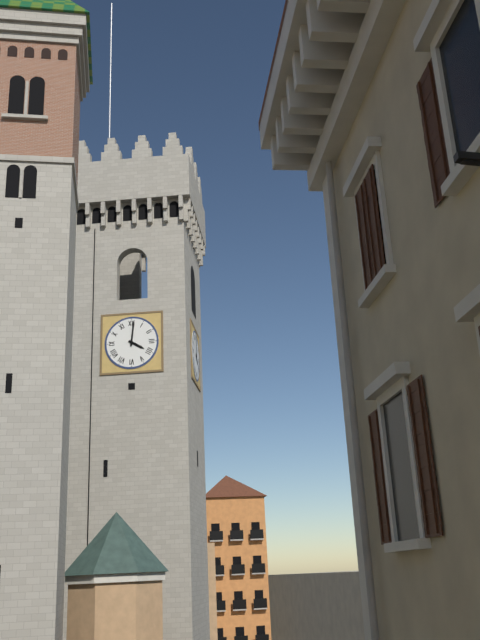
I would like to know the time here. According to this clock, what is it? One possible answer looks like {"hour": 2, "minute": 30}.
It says {"hour": 4, "minute": 1}
